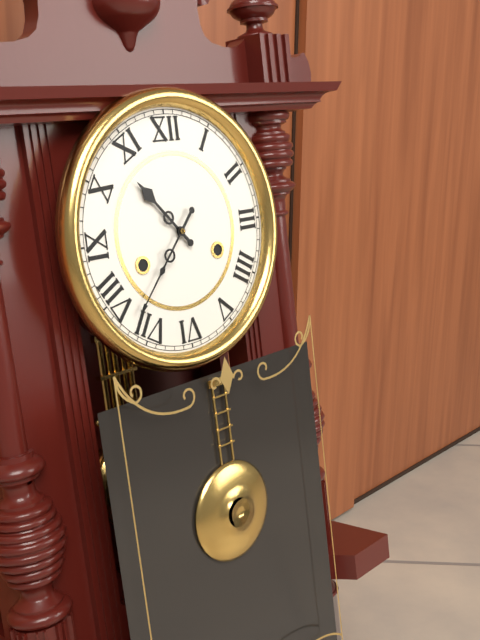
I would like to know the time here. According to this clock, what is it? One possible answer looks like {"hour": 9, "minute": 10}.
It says {"hour": 10, "minute": 37}
